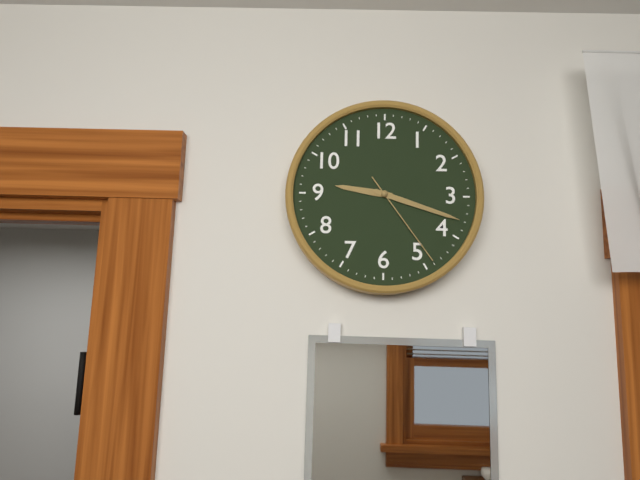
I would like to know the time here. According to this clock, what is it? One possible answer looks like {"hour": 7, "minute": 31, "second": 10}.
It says {"hour": 9, "minute": 18, "second": 24}
